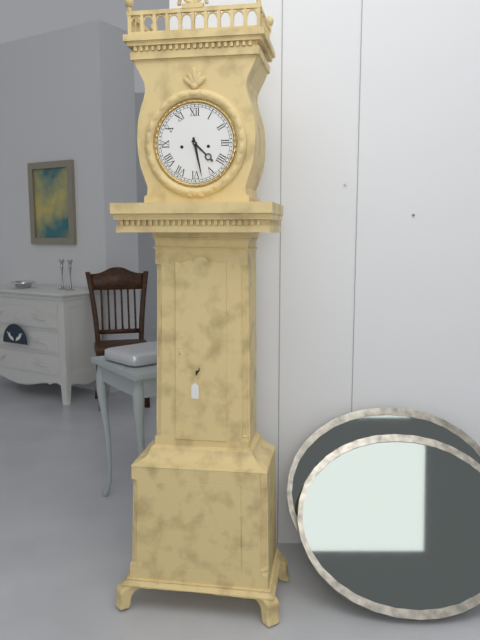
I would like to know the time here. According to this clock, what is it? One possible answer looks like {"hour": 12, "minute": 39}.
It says {"hour": 4, "minute": 28}
